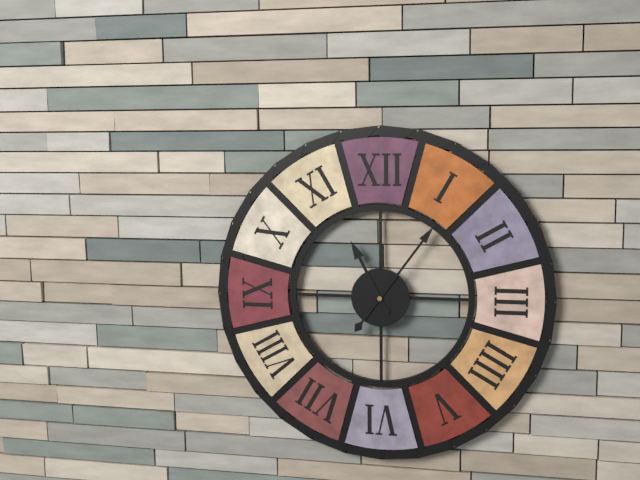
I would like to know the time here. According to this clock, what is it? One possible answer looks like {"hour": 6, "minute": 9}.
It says {"hour": 11, "minute": 6}
